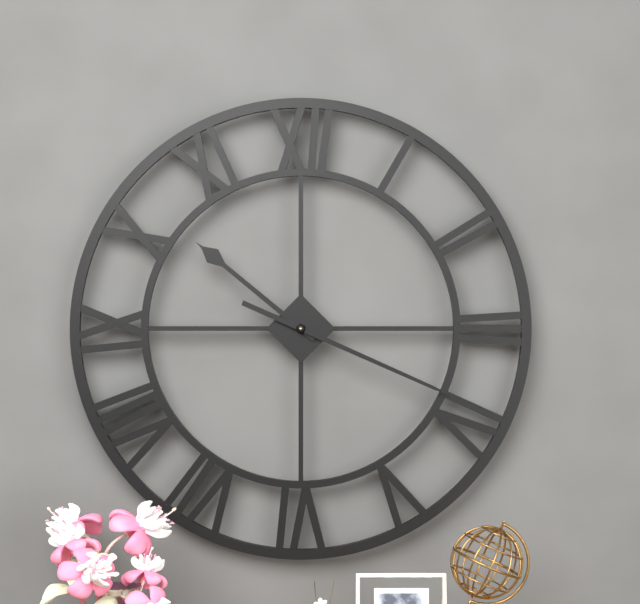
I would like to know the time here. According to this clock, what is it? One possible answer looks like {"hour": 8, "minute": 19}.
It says {"hour": 10, "minute": 19}
